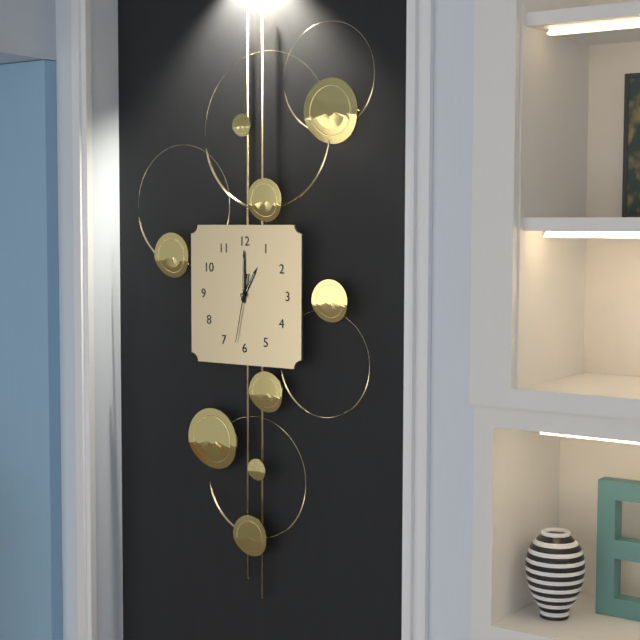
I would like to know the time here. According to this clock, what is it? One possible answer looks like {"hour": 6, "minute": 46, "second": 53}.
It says {"hour": 1, "minute": 0, "second": 32}
